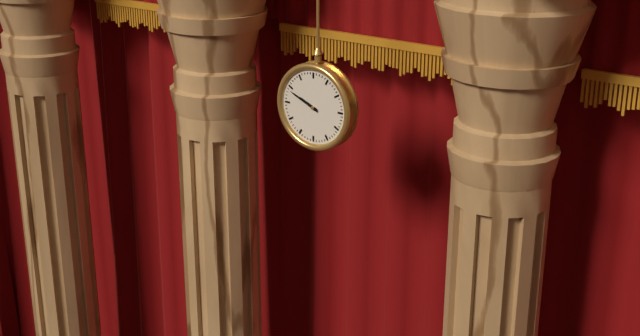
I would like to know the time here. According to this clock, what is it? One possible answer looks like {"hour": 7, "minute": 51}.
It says {"hour": 9, "minute": 49}
